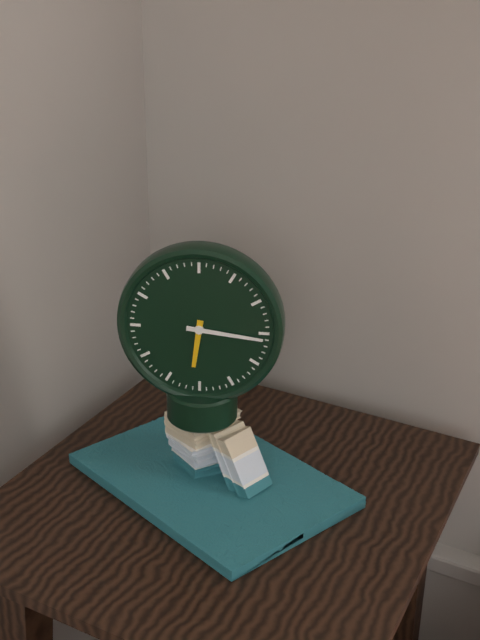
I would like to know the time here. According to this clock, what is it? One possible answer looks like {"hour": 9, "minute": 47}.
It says {"hour": 6, "minute": 16}
